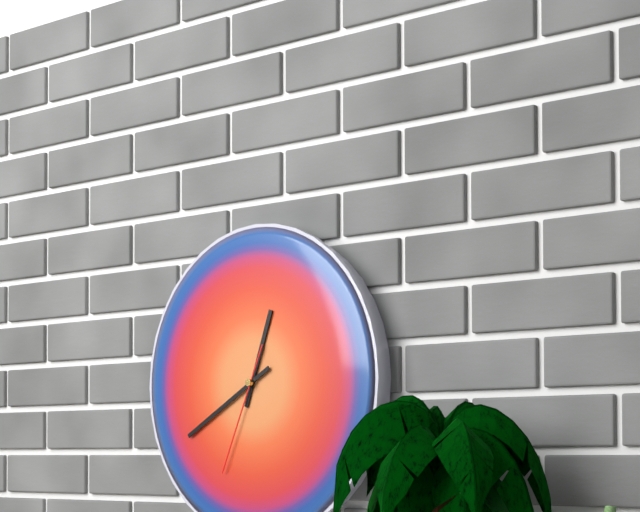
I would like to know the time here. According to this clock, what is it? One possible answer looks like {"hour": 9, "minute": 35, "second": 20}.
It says {"hour": 12, "minute": 40, "second": 34}
